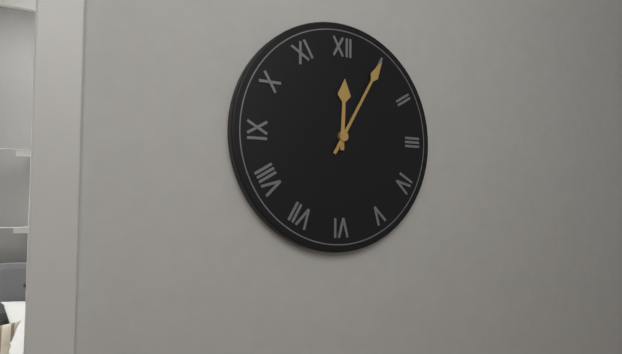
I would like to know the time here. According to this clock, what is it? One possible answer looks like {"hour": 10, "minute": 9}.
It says {"hour": 12, "minute": 5}
